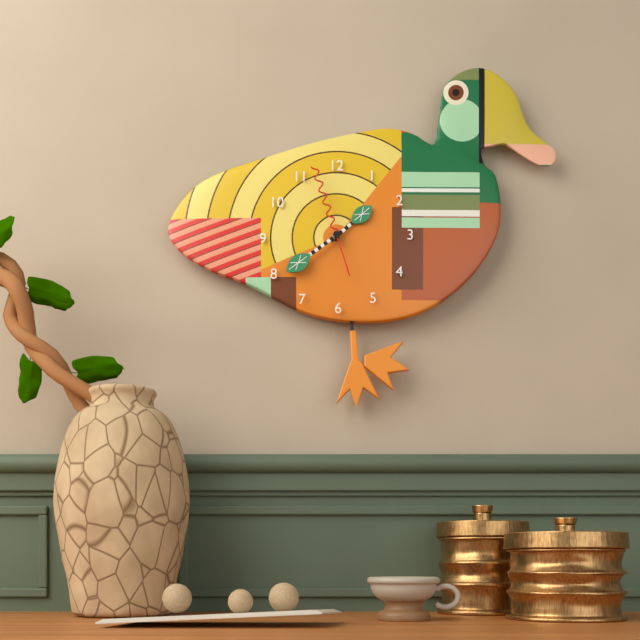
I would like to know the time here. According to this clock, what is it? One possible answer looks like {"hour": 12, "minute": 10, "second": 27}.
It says {"hour": 1, "minute": 39, "second": 57}
